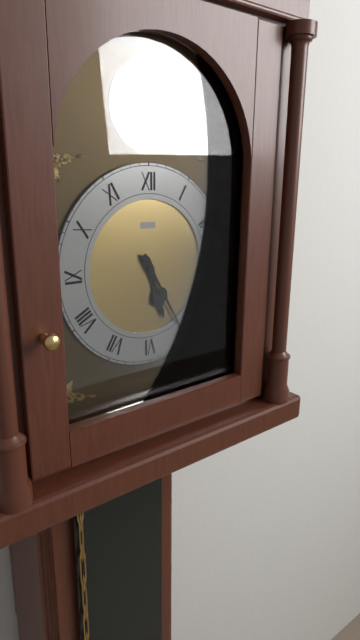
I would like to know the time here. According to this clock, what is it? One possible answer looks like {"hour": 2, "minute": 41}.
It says {"hour": 5, "minute": 25}
